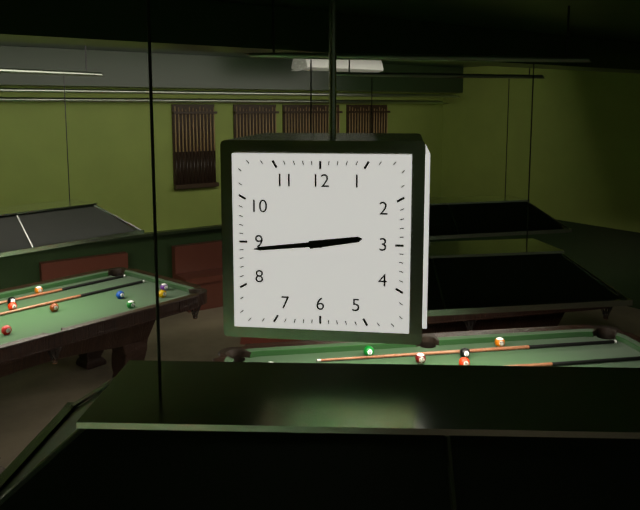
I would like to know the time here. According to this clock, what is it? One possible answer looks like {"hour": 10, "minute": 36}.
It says {"hour": 2, "minute": 44}
